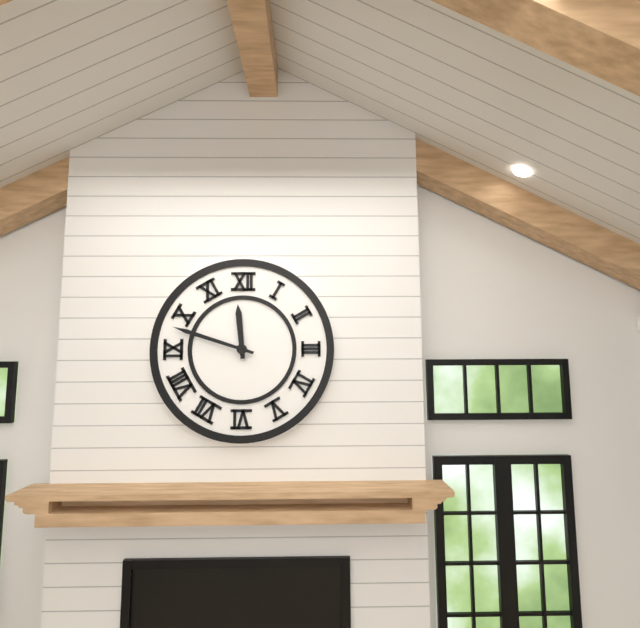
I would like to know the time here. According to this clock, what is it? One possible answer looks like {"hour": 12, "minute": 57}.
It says {"hour": 11, "minute": 48}
